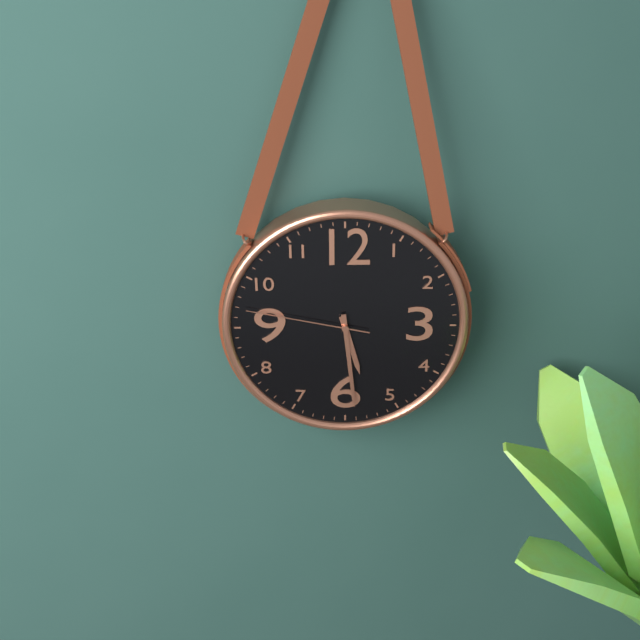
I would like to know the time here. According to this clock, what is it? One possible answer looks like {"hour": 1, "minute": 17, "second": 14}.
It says {"hour": 5, "minute": 29, "second": 47}
